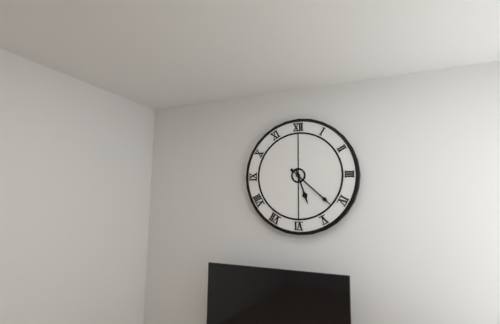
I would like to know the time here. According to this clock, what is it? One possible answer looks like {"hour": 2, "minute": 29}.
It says {"hour": 5, "minute": 22}
